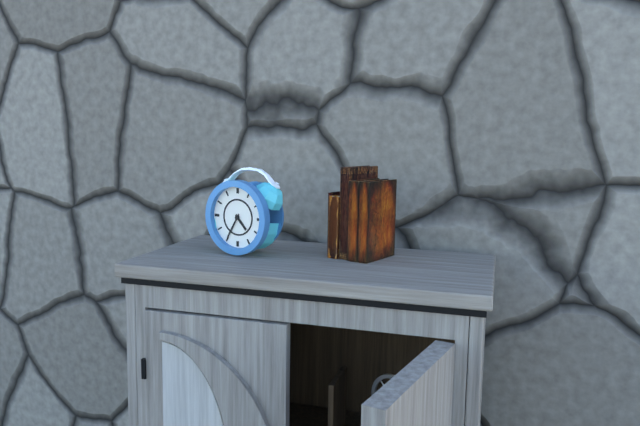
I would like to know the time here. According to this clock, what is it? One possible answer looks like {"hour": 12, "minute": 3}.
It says {"hour": 4, "minute": 35}
